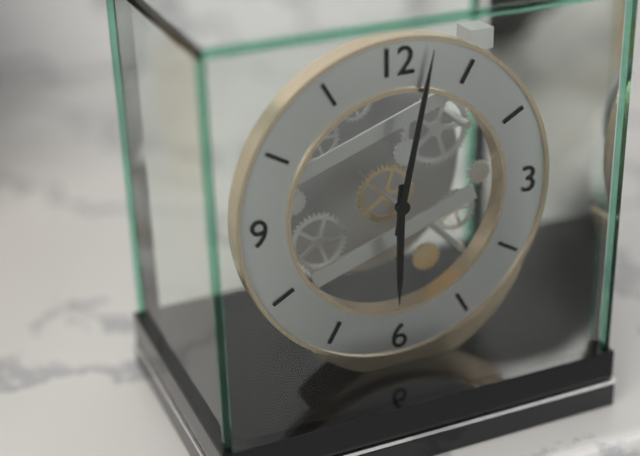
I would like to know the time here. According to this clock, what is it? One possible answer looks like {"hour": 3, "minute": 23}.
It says {"hour": 6, "minute": 2}
